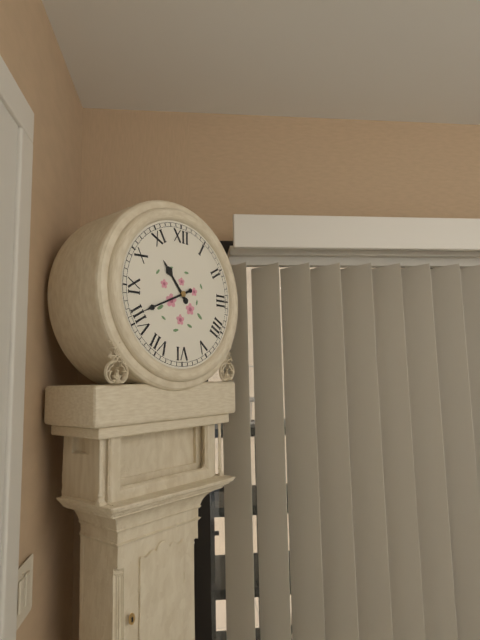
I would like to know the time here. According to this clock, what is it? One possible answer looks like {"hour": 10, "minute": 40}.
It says {"hour": 10, "minute": 41}
